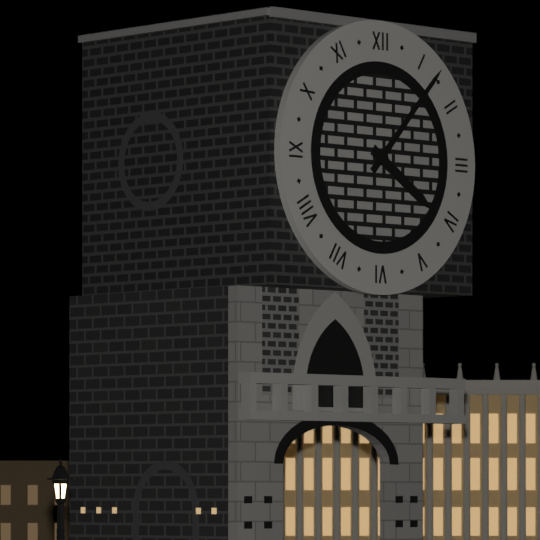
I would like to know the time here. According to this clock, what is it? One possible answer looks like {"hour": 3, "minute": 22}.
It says {"hour": 4, "minute": 7}
